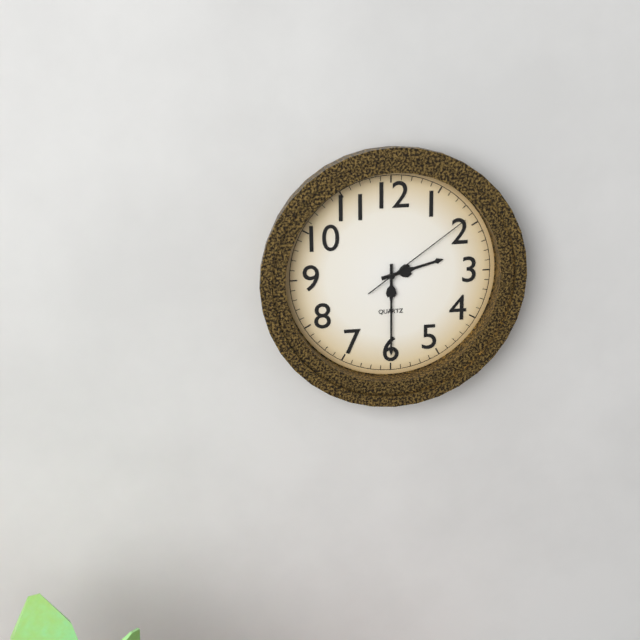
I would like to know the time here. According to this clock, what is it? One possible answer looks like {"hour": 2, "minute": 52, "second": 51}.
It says {"hour": 2, "minute": 30, "second": 9}
